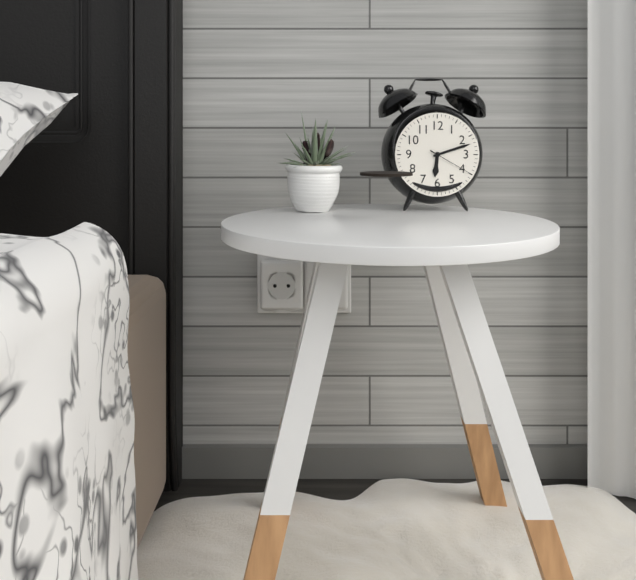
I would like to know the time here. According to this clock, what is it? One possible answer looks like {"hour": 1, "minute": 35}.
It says {"hour": 6, "minute": 12}
